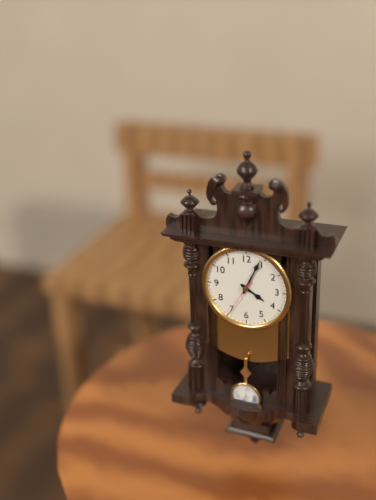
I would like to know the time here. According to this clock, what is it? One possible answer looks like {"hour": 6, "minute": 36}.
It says {"hour": 4, "minute": 4}
